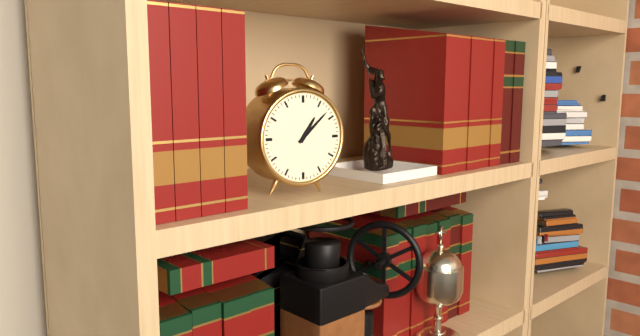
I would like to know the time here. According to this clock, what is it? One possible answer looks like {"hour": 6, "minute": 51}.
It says {"hour": 1, "minute": 8}
